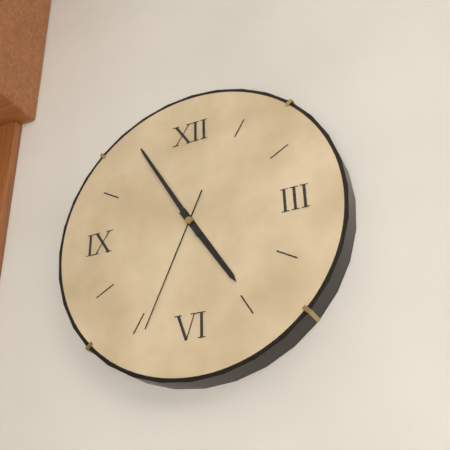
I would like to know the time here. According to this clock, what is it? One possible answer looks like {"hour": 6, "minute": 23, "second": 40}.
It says {"hour": 4, "minute": 55, "second": 34}
